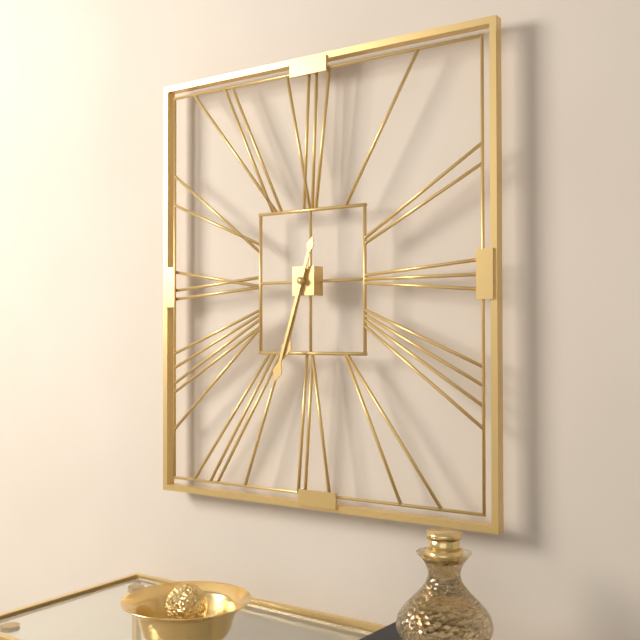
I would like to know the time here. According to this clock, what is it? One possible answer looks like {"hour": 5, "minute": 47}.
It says {"hour": 6, "minute": 33}
